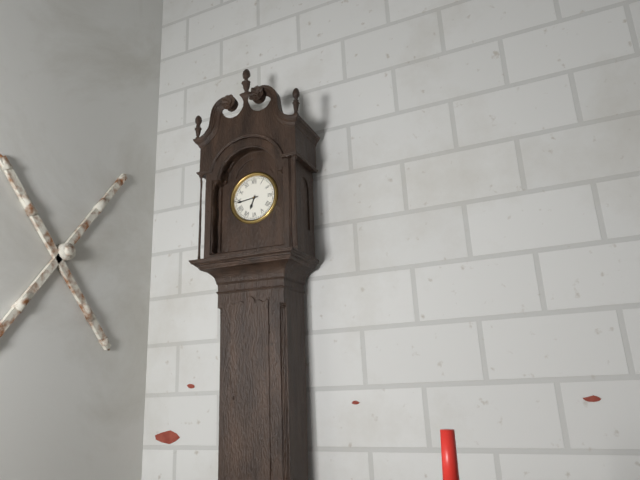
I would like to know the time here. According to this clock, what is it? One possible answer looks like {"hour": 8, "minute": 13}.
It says {"hour": 6, "minute": 44}
